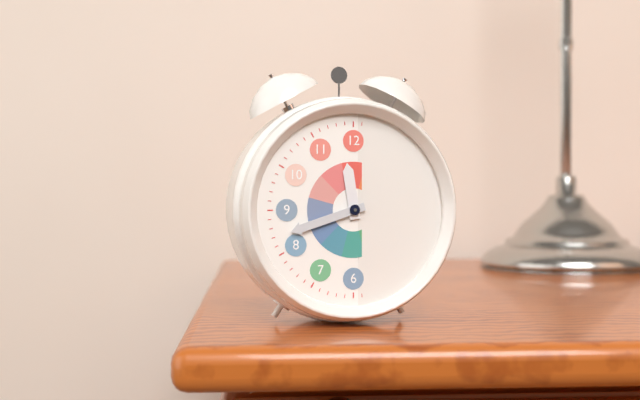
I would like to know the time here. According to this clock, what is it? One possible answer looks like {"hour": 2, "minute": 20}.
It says {"hour": 11, "minute": 42}
